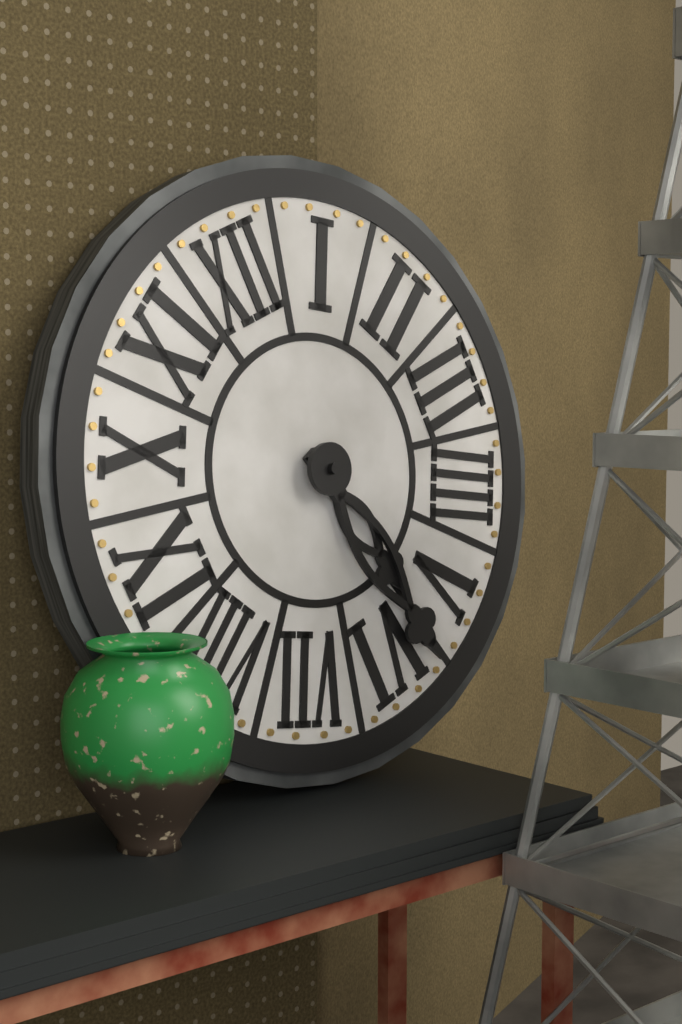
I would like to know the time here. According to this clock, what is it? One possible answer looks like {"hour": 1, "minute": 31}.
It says {"hour": 5, "minute": 28}
